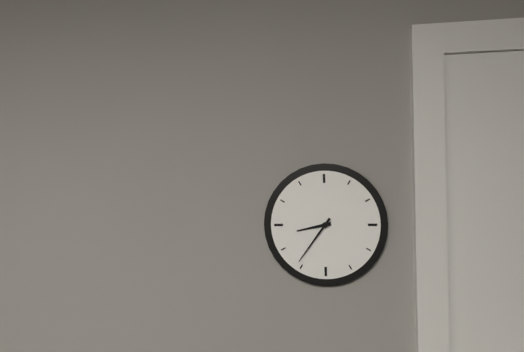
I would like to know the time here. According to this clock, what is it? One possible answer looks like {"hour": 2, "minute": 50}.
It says {"hour": 8, "minute": 36}
